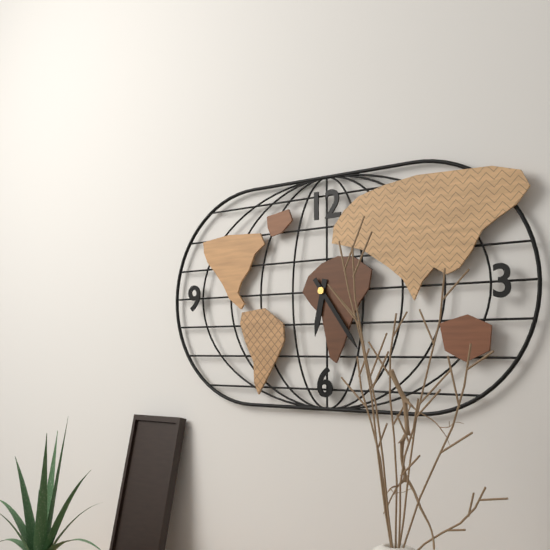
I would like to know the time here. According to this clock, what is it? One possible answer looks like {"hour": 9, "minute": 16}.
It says {"hour": 6, "minute": 24}
